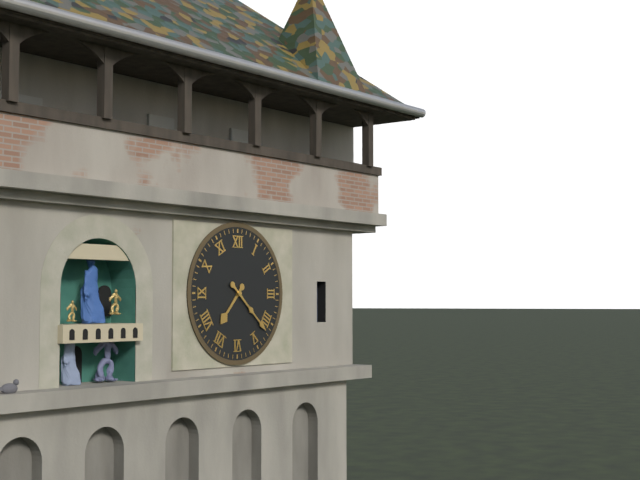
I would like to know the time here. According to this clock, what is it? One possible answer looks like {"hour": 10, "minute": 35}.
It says {"hour": 7, "minute": 22}
